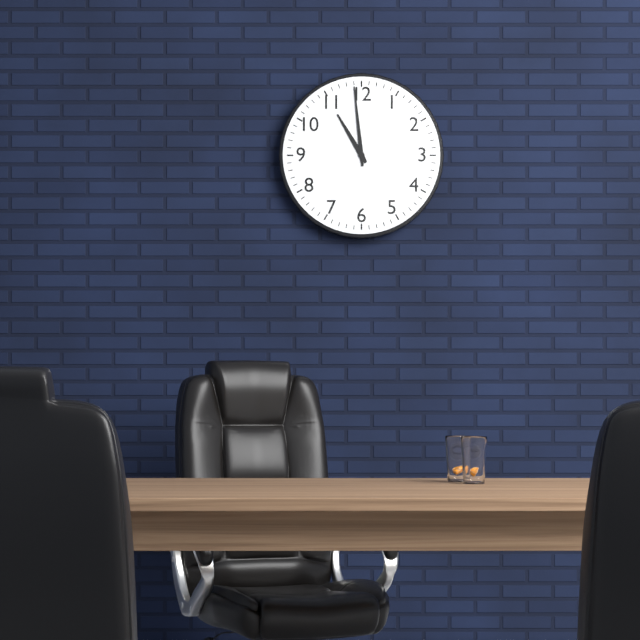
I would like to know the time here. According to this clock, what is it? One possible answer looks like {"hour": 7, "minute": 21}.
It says {"hour": 10, "minute": 59}
